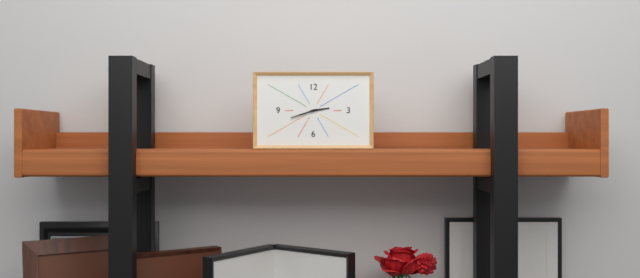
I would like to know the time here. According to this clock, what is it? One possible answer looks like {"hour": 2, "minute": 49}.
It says {"hour": 2, "minute": 42}
